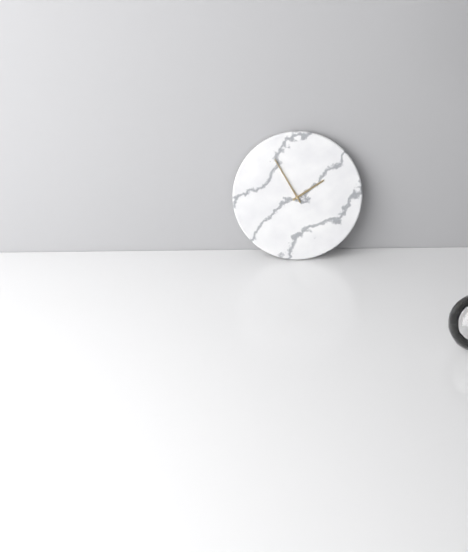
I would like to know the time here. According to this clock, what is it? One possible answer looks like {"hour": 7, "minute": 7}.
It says {"hour": 1, "minute": 55}
